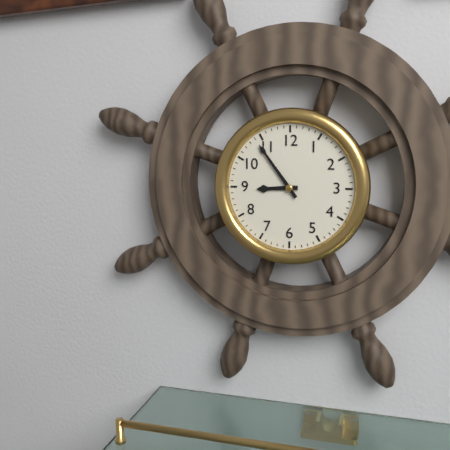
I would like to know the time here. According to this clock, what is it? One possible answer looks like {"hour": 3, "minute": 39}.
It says {"hour": 8, "minute": 54}
